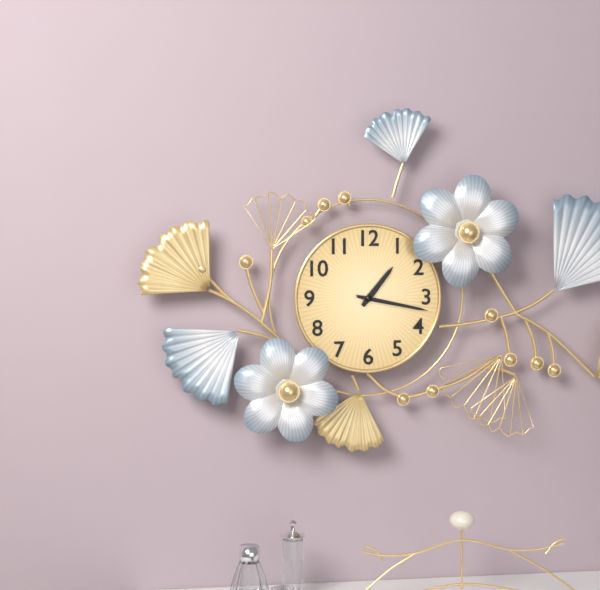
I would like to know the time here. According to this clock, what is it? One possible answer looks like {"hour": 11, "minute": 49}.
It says {"hour": 1, "minute": 17}
